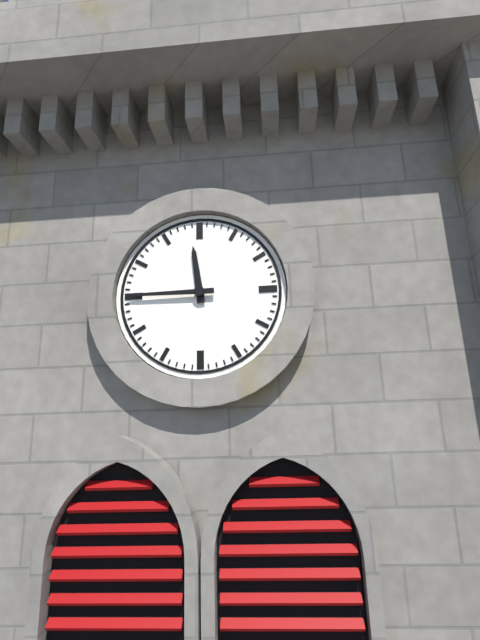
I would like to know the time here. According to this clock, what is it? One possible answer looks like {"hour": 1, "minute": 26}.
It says {"hour": 11, "minute": 45}
